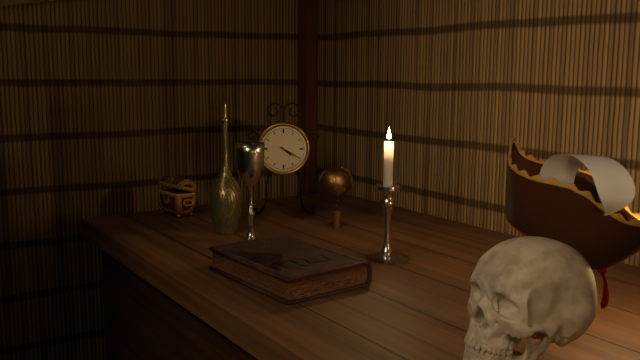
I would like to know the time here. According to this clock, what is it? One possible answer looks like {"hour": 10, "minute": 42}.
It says {"hour": 4, "minute": 20}
